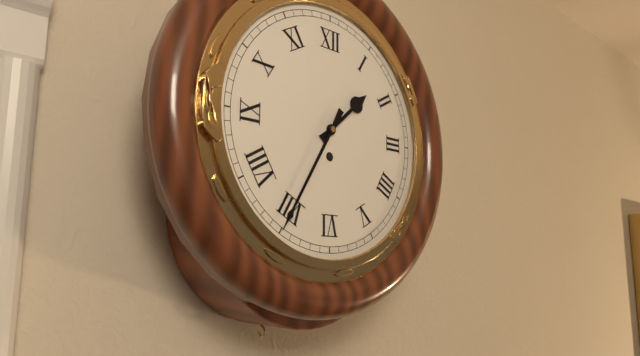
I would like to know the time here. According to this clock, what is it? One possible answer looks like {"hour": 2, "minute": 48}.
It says {"hour": 1, "minute": 35}
